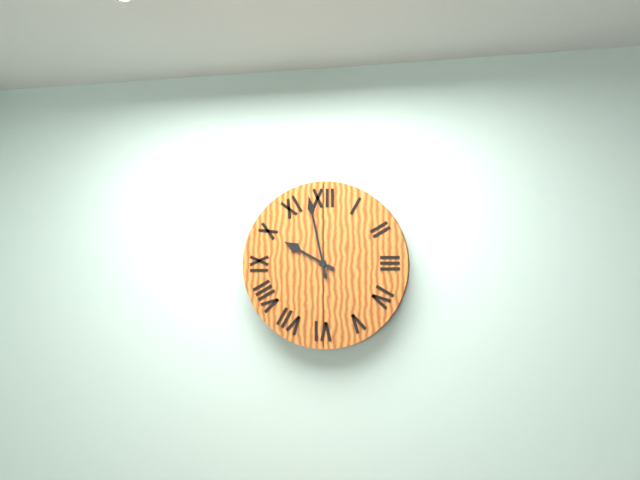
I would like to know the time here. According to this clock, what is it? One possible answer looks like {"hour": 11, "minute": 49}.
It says {"hour": 9, "minute": 58}
